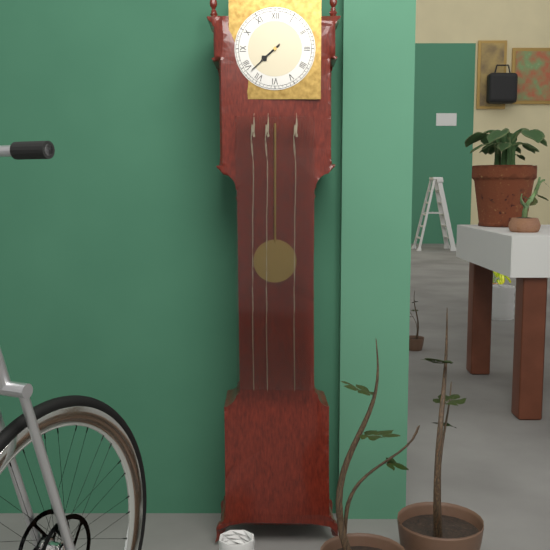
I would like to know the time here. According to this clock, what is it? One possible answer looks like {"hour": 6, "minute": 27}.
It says {"hour": 7, "minute": 38}
